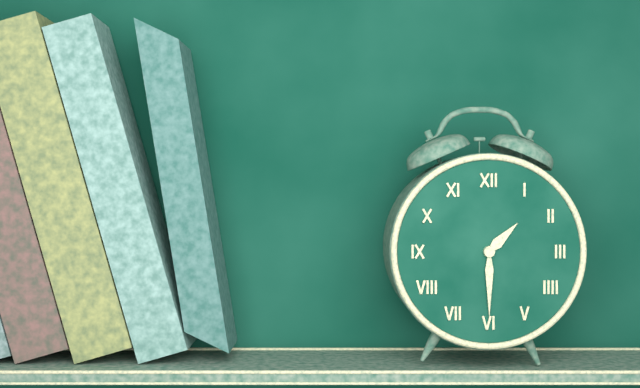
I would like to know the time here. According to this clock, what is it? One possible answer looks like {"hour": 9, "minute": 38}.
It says {"hour": 1, "minute": 30}
